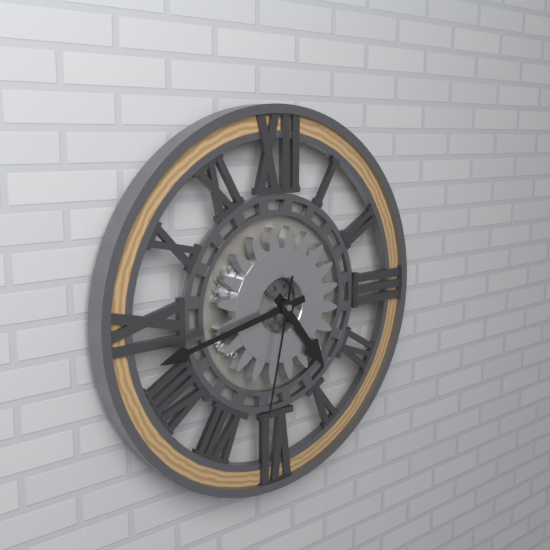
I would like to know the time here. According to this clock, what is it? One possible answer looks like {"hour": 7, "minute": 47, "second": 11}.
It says {"hour": 4, "minute": 43, "second": 32}
